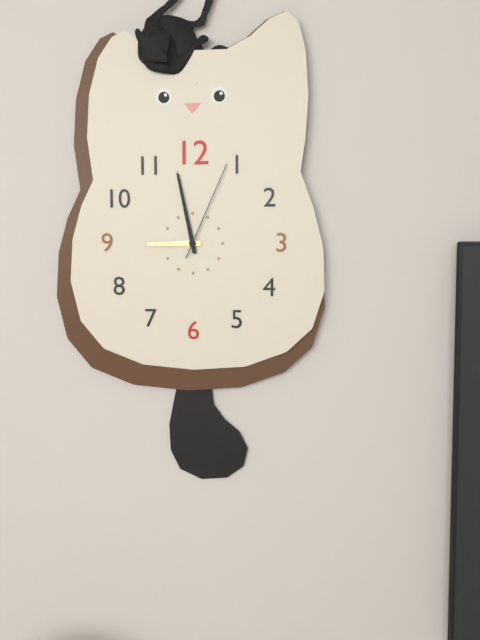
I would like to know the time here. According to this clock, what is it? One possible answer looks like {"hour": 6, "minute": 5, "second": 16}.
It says {"hour": 8, "minute": 58, "second": 4}
